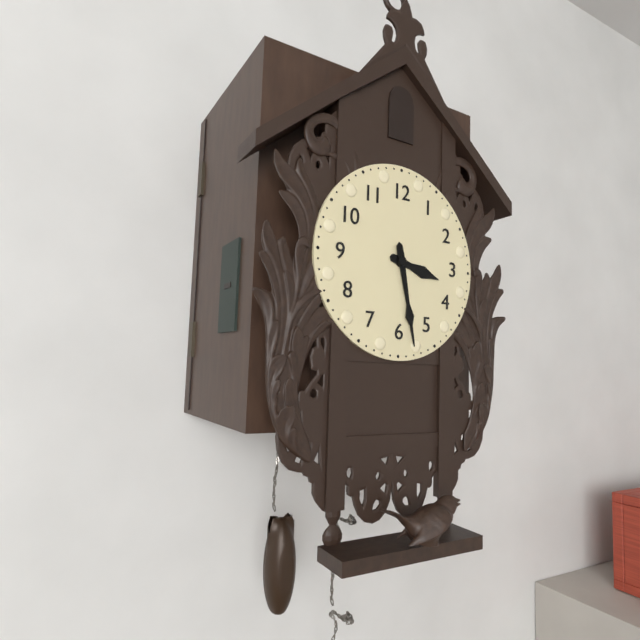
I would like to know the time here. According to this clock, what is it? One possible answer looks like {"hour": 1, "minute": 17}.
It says {"hour": 3, "minute": 28}
